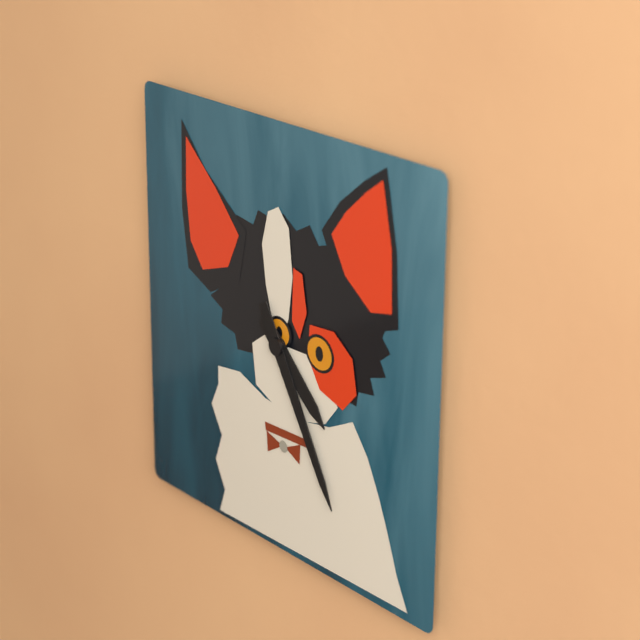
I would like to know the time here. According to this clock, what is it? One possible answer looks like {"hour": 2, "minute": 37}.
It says {"hour": 4, "minute": 25}
